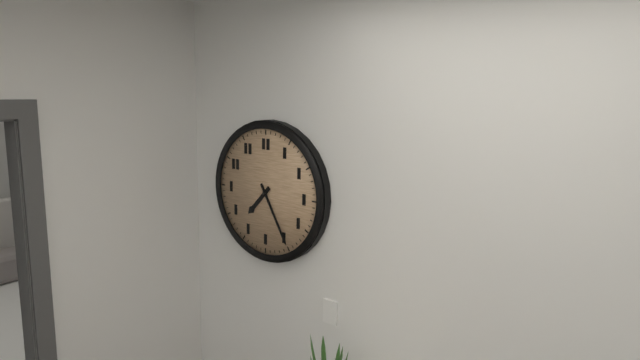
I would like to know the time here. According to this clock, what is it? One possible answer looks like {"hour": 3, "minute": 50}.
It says {"hour": 7, "minute": 25}
